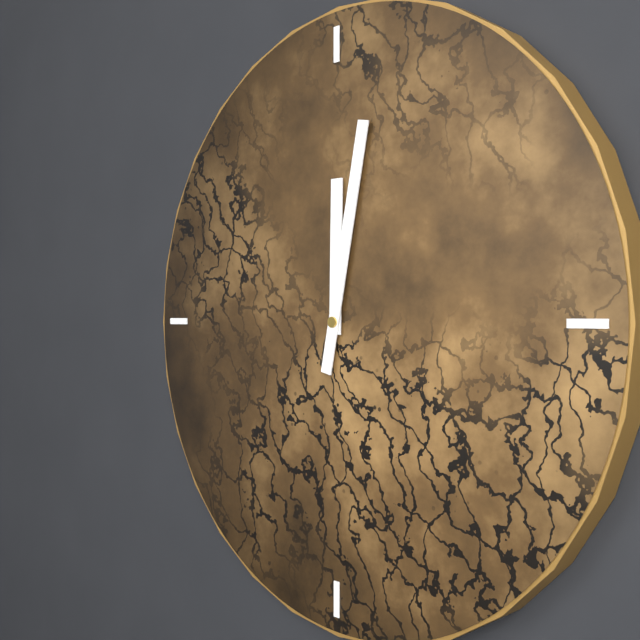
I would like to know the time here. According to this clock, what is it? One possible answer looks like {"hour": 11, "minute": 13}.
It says {"hour": 12, "minute": 2}
